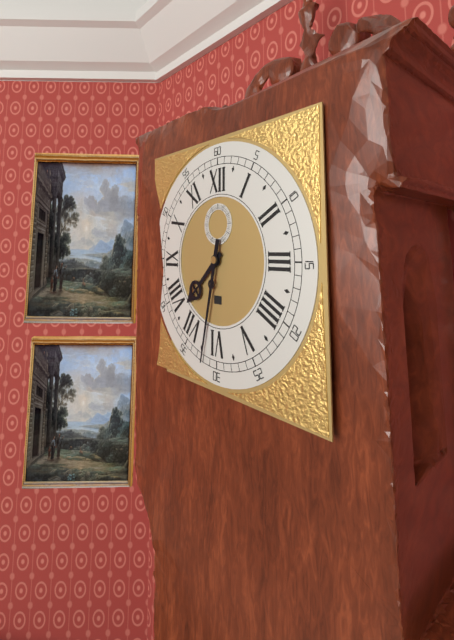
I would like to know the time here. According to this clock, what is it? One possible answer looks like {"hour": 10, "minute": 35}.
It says {"hour": 7, "minute": 32}
